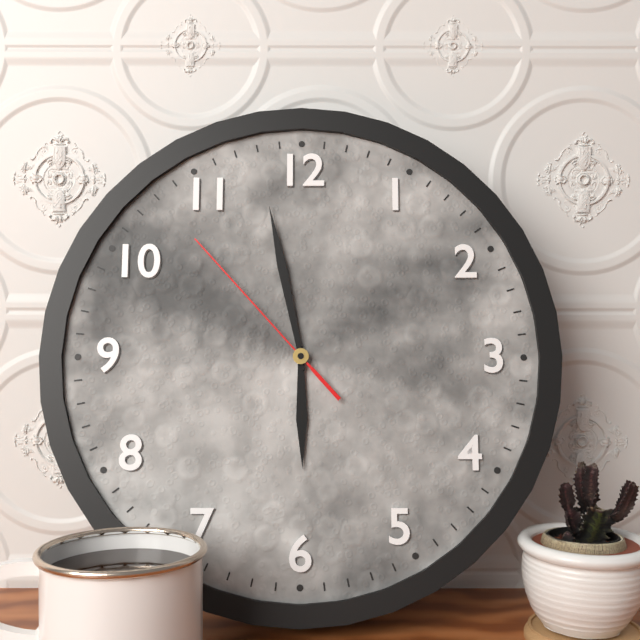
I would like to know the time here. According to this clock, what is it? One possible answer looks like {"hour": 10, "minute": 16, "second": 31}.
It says {"hour": 5, "minute": 58, "second": 53}
